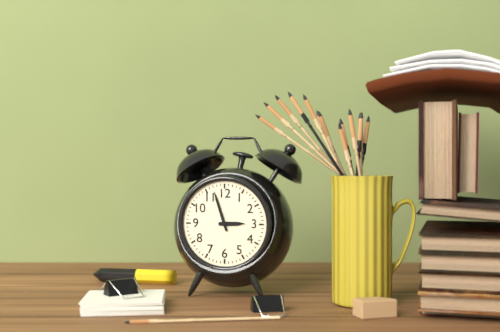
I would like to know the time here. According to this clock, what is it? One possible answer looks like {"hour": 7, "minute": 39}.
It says {"hour": 2, "minute": 57}
